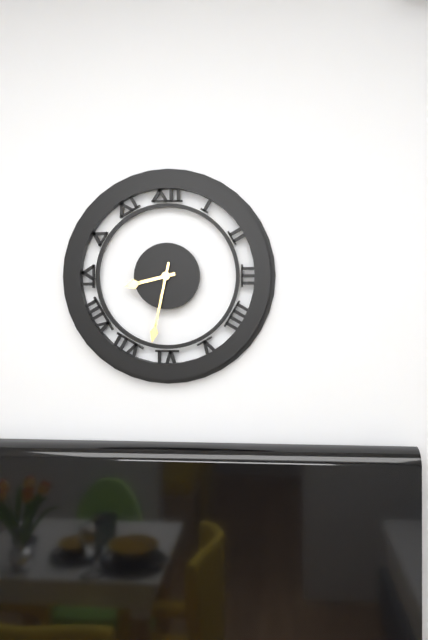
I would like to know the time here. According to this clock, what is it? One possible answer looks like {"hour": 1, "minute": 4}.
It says {"hour": 8, "minute": 32}
